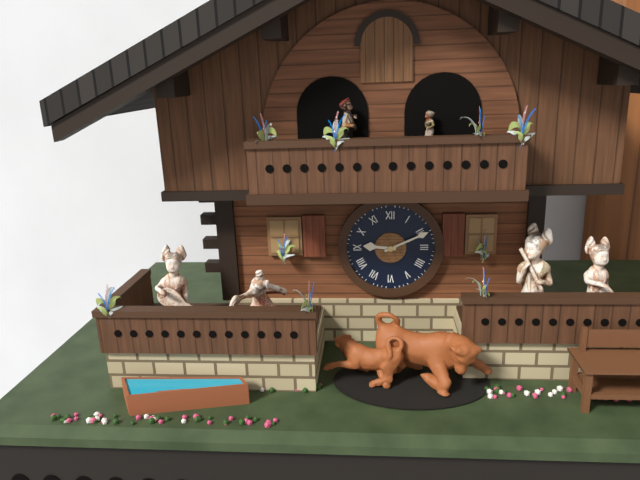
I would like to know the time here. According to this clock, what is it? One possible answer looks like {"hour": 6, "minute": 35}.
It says {"hour": 9, "minute": 11}
